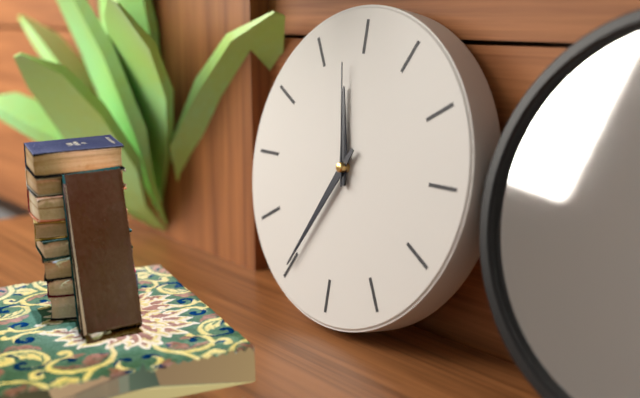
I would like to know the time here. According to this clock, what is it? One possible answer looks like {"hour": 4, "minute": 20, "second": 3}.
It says {"hour": 11, "minute": 35, "second": 58}
